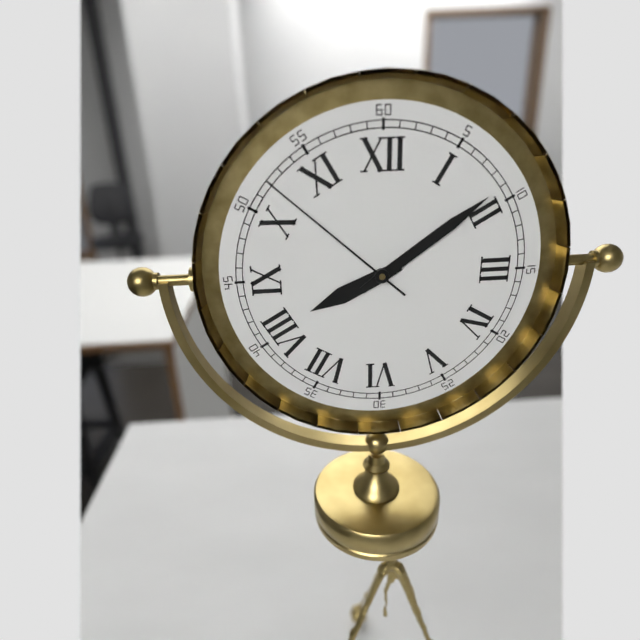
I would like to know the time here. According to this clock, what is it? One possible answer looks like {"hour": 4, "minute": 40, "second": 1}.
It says {"hour": 8, "minute": 9, "second": 52}
